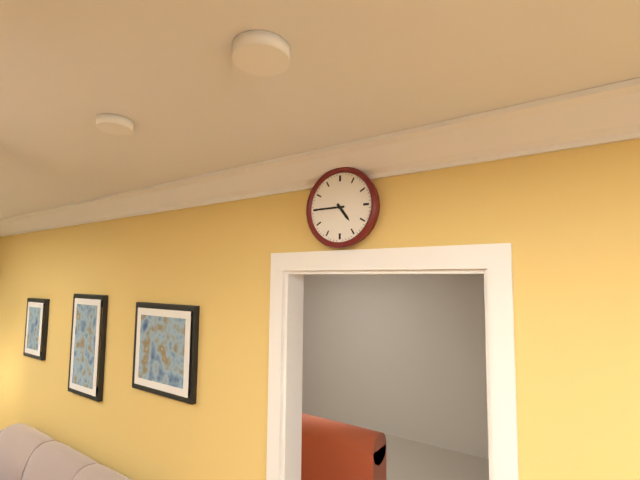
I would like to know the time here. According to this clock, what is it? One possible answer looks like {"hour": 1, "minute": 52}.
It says {"hour": 4, "minute": 45}
